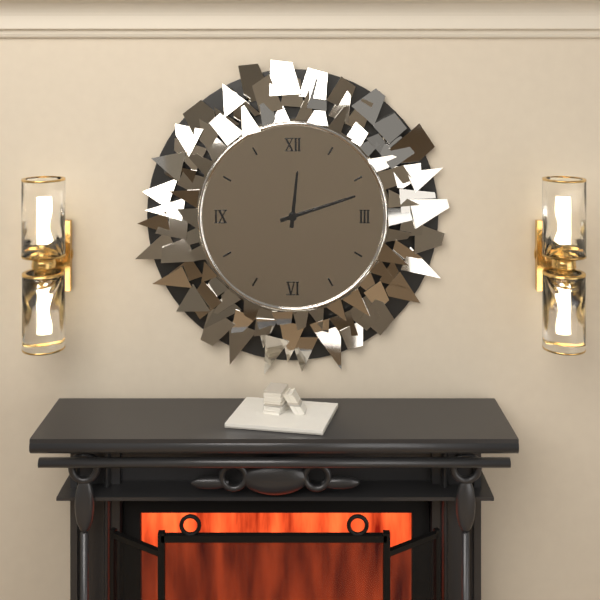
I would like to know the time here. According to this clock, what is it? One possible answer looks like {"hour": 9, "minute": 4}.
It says {"hour": 12, "minute": 12}
